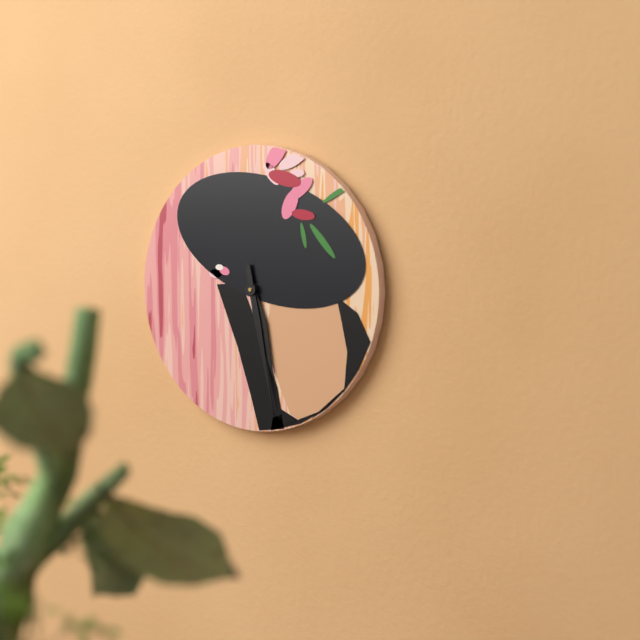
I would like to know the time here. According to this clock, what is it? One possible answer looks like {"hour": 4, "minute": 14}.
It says {"hour": 5, "minute": 28}
